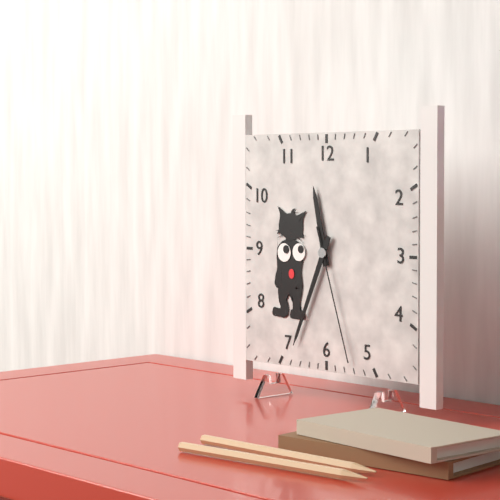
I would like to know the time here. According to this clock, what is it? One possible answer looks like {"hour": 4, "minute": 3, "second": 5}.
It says {"hour": 11, "minute": 34, "second": 27}
